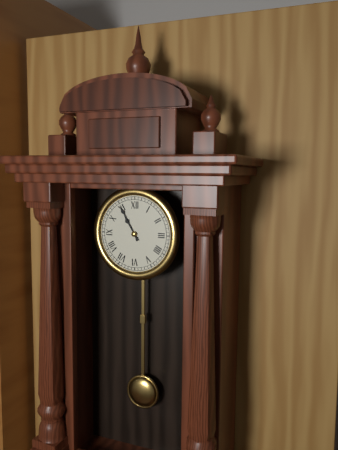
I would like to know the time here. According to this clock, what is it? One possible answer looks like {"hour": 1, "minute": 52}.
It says {"hour": 10, "minute": 55}
